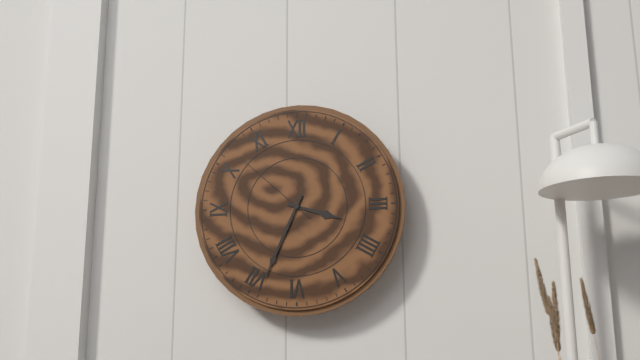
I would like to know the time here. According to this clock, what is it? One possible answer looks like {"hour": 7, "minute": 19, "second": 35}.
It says {"hour": 3, "minute": 34, "second": 52}
